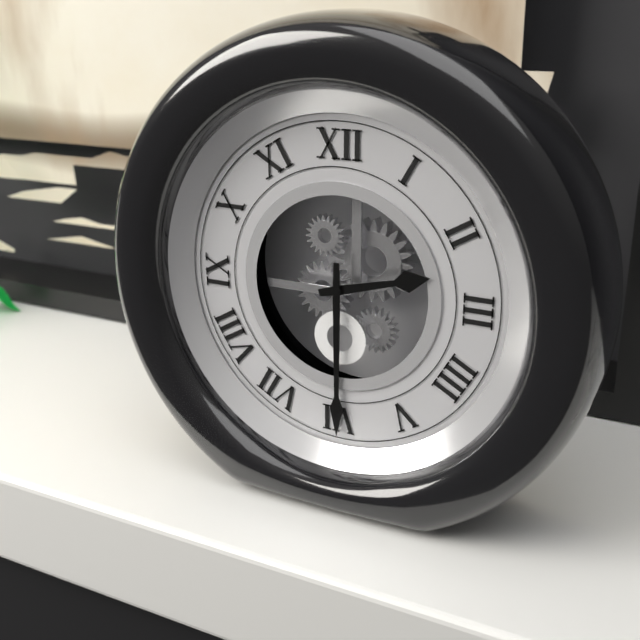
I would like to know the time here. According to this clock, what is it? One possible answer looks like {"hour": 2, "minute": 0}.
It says {"hour": 2, "minute": 30}
